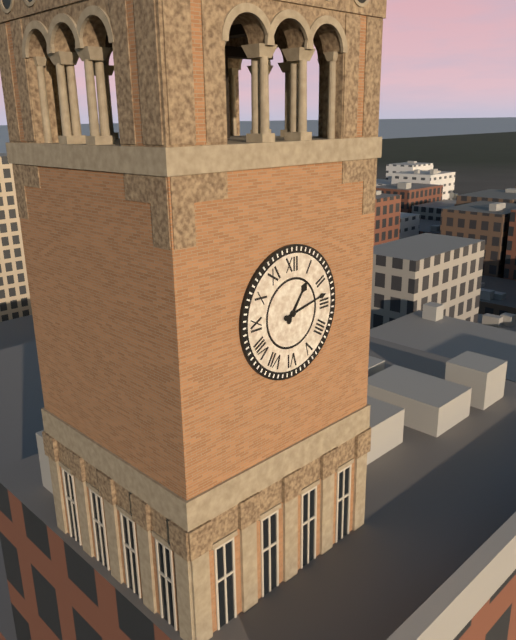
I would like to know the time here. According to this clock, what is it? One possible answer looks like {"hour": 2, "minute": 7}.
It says {"hour": 1, "minute": 13}
